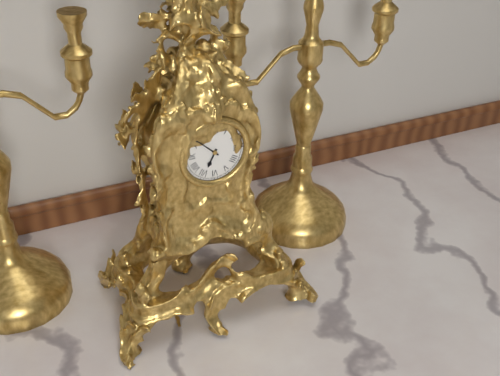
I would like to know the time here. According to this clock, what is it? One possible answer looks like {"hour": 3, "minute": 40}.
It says {"hour": 6, "minute": 52}
